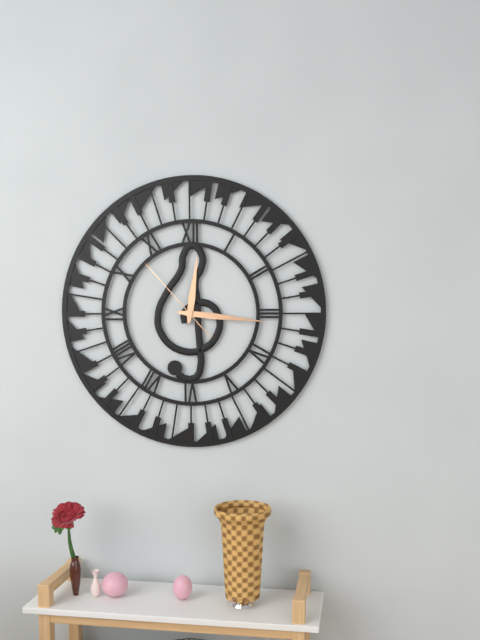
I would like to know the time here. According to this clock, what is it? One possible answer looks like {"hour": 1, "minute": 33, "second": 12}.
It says {"hour": 12, "minute": 16, "second": 53}
